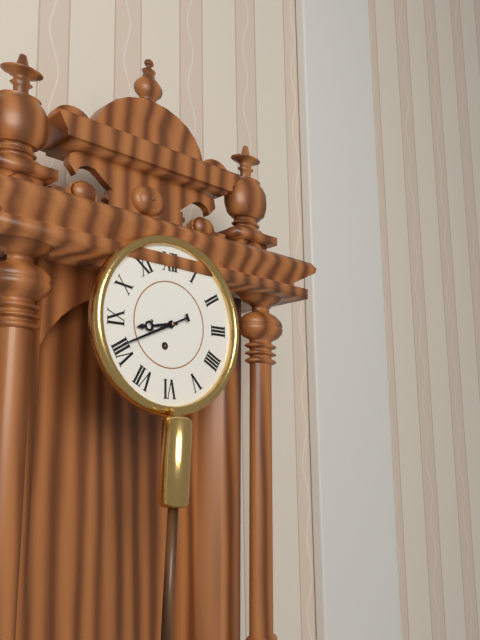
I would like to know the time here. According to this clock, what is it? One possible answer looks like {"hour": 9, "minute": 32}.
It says {"hour": 8, "minute": 41}
